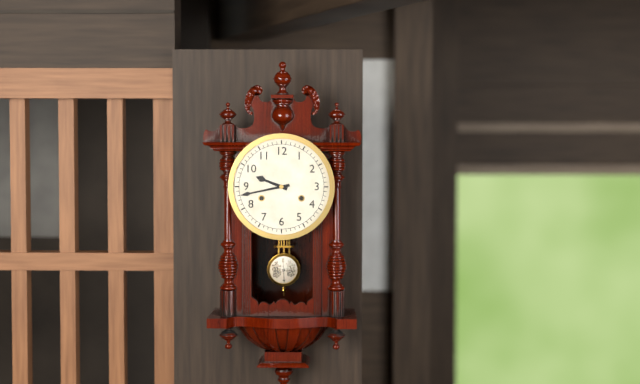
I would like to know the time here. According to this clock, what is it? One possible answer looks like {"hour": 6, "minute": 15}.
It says {"hour": 9, "minute": 43}
